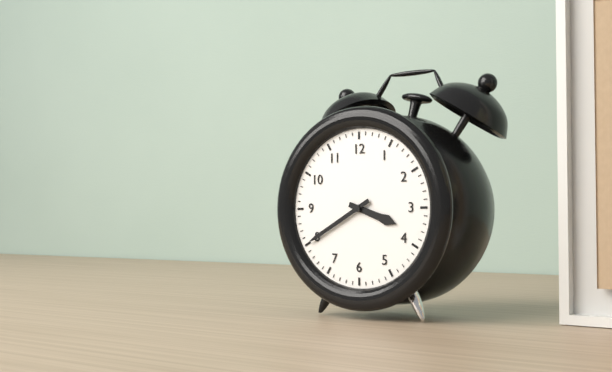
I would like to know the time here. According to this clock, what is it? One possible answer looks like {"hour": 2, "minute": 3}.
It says {"hour": 3, "minute": 40}
